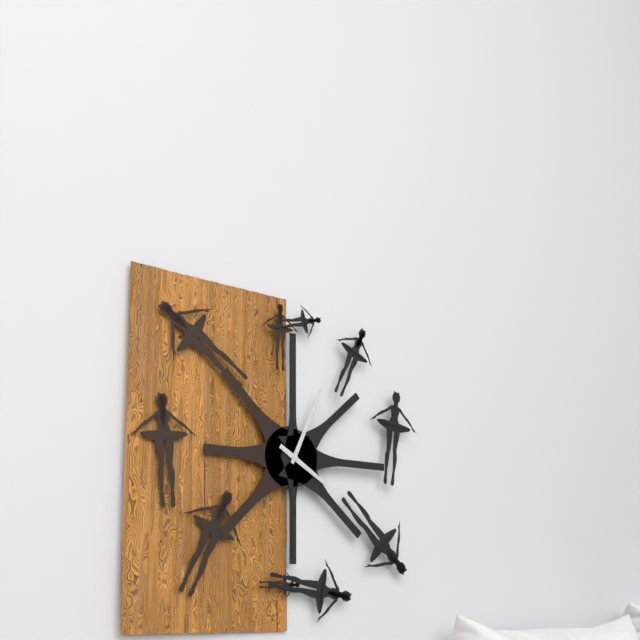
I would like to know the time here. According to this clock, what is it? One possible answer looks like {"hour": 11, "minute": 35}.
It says {"hour": 4, "minute": 4}
